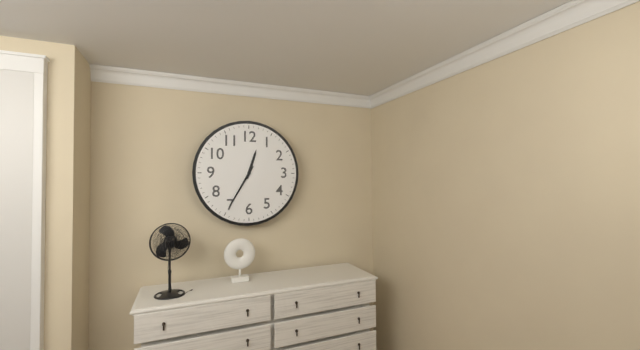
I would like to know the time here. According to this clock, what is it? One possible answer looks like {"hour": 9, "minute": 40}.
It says {"hour": 12, "minute": 35}
